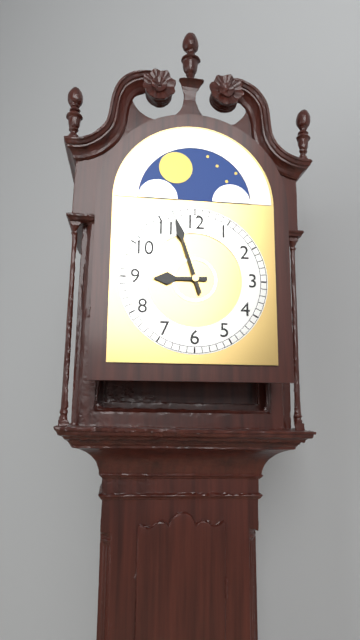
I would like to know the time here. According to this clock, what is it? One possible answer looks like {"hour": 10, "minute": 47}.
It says {"hour": 8, "minute": 57}
